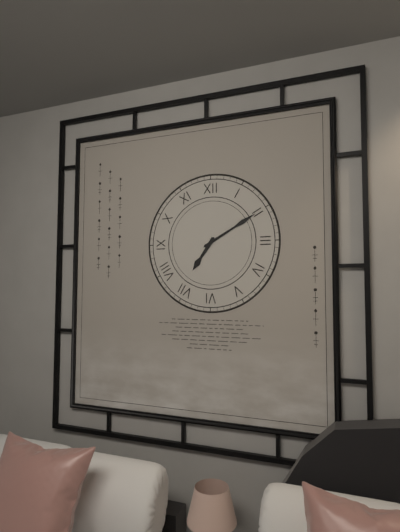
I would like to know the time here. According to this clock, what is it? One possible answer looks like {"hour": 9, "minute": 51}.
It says {"hour": 7, "minute": 10}
